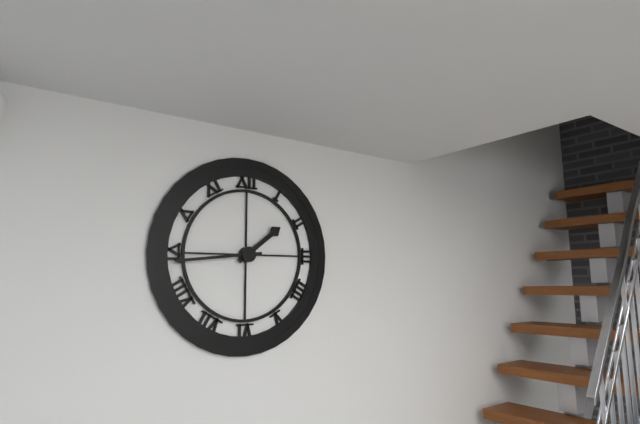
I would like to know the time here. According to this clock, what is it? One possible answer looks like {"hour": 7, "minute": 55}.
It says {"hour": 1, "minute": 44}
